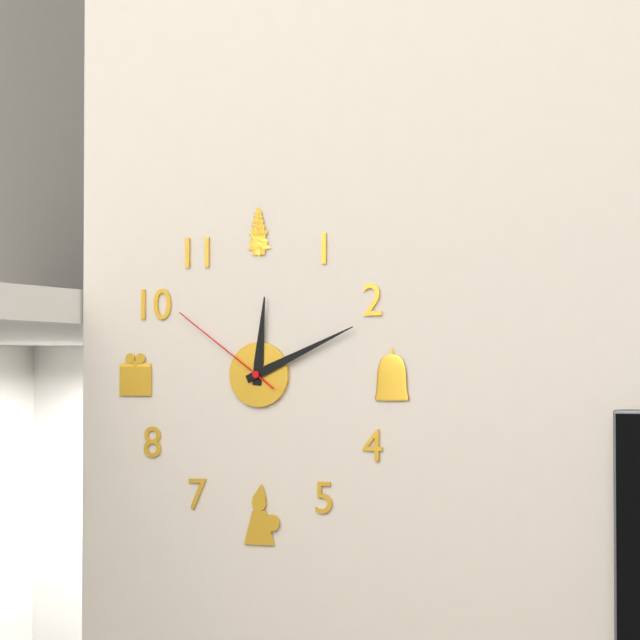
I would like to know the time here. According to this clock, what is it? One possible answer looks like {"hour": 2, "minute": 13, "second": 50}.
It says {"hour": 12, "minute": 11, "second": 51}
